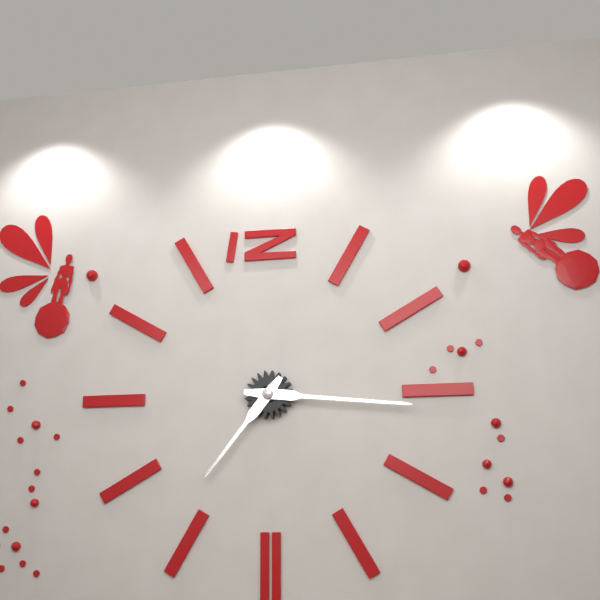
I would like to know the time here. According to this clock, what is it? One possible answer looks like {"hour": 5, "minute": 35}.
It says {"hour": 7, "minute": 16}
